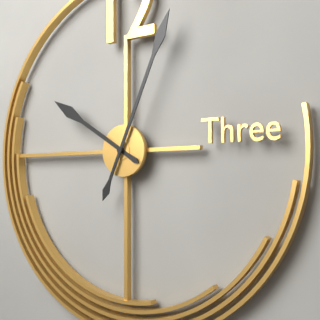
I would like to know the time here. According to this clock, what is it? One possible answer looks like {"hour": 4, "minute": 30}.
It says {"hour": 10, "minute": 4}
